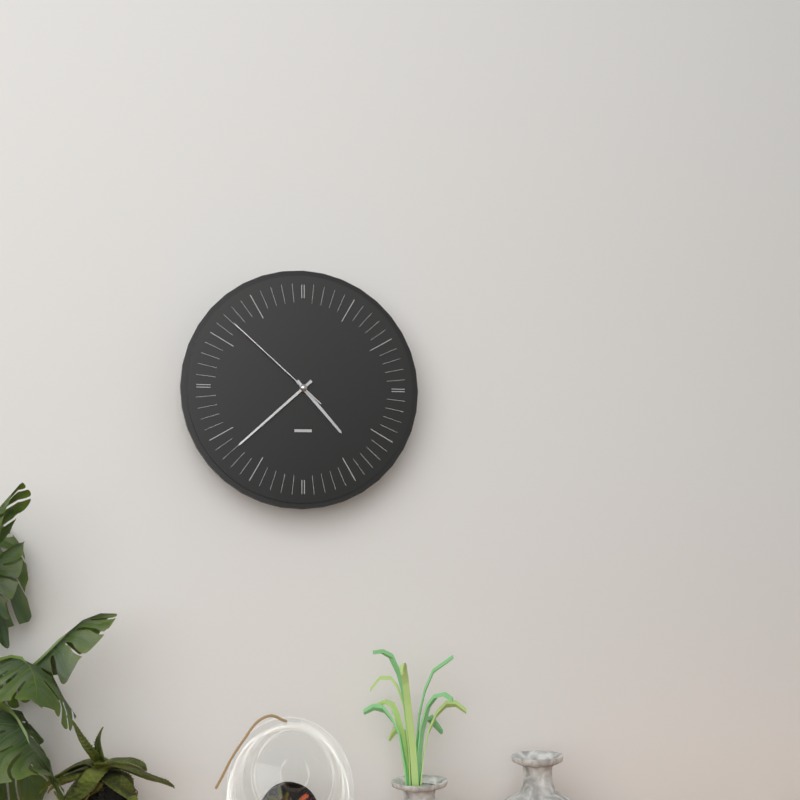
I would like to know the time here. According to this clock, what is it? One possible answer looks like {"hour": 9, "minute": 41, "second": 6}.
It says {"hour": 4, "minute": 38, "second": 52}
